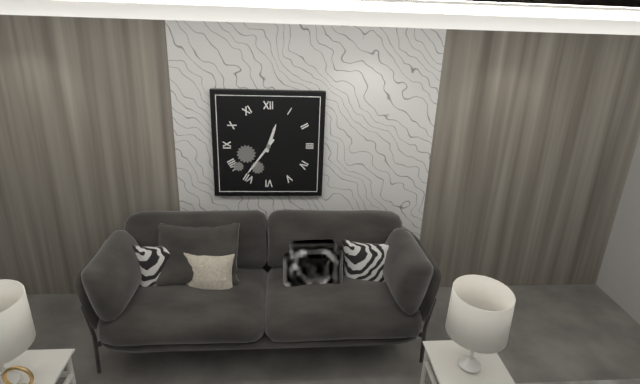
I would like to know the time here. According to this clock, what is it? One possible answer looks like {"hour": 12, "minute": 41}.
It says {"hour": 12, "minute": 36}
